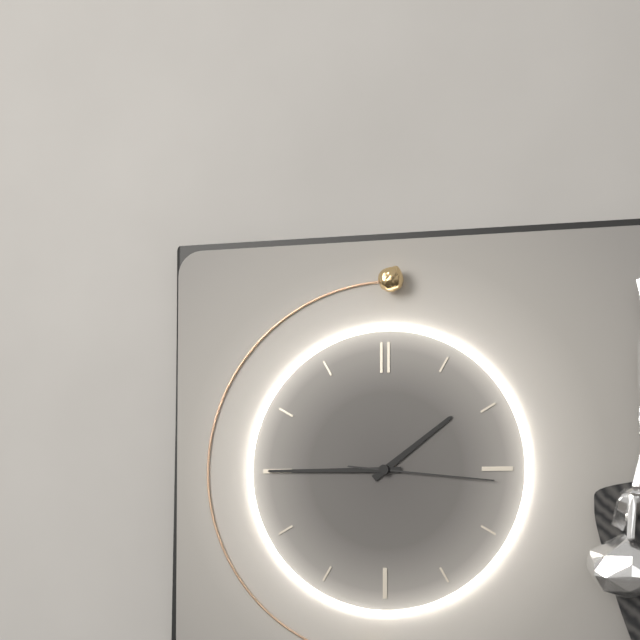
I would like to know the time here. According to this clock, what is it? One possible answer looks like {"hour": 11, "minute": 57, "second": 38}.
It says {"hour": 1, "minute": 45, "second": 16}
